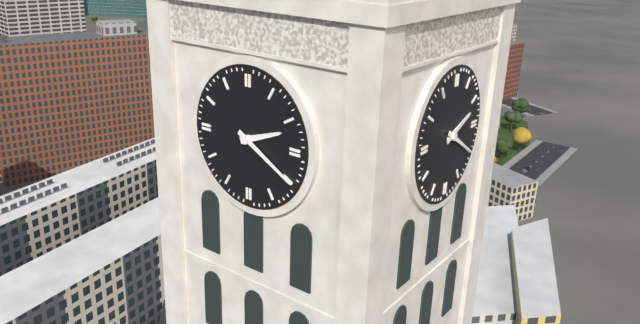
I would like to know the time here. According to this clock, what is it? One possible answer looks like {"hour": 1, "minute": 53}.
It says {"hour": 2, "minute": 20}
